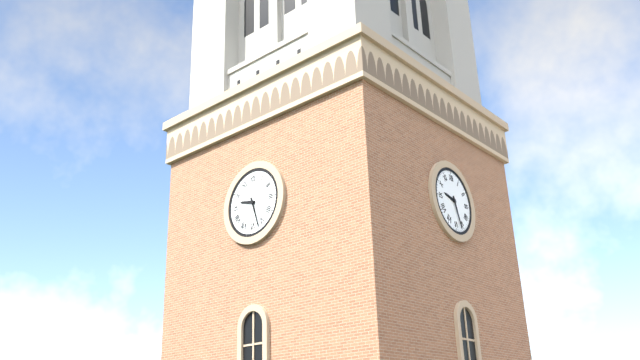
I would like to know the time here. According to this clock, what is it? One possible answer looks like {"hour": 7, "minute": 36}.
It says {"hour": 9, "minute": 27}
